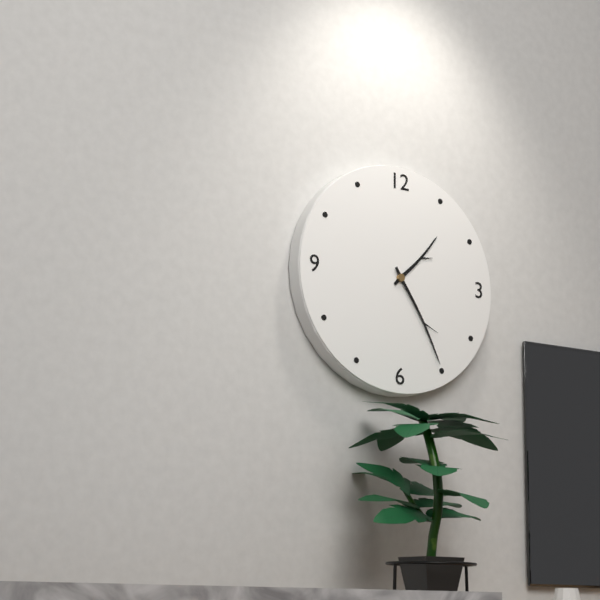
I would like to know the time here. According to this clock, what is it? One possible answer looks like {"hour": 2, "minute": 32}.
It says {"hour": 1, "minute": 25}
